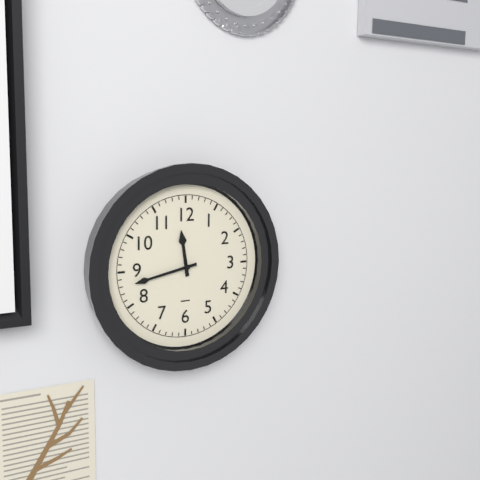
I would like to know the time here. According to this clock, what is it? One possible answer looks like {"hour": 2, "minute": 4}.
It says {"hour": 11, "minute": 43}
